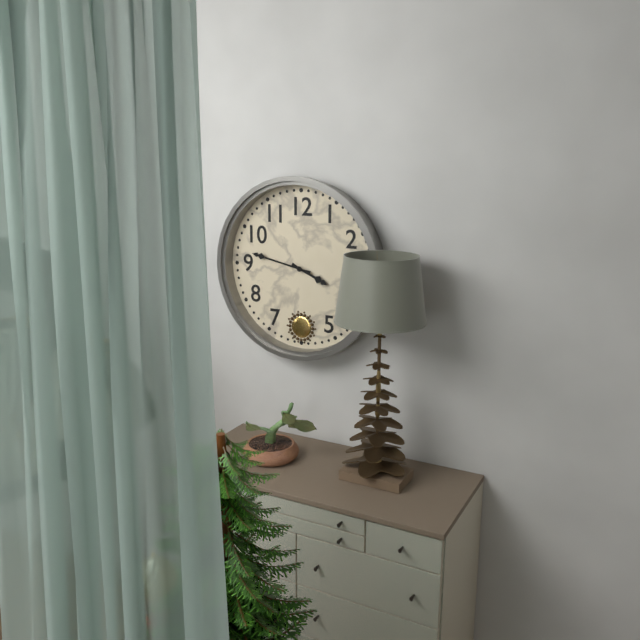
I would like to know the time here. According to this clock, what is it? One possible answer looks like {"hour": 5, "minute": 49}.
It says {"hour": 3, "minute": 47}
